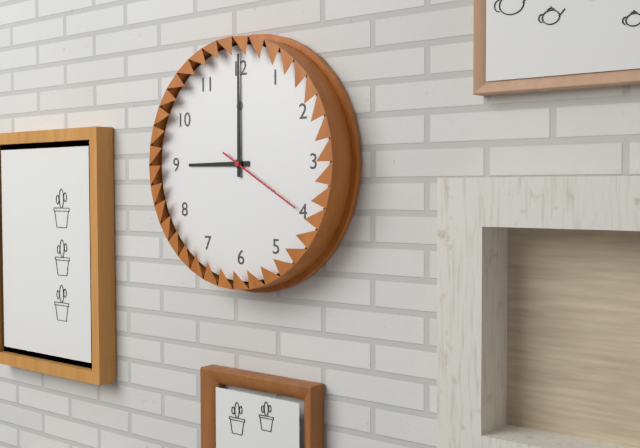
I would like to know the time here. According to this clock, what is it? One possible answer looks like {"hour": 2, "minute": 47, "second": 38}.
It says {"hour": 9, "minute": 0, "second": 20}
